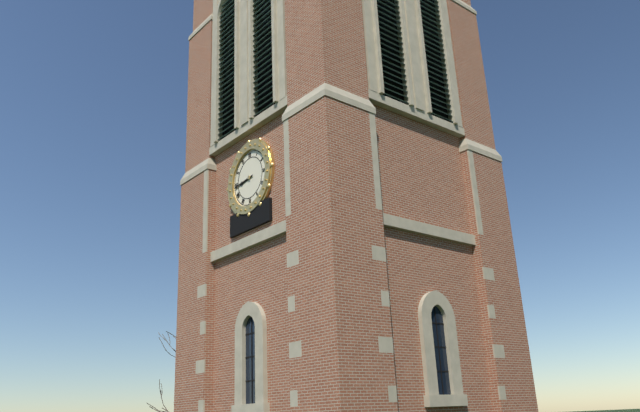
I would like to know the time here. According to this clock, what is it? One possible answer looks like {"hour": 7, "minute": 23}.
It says {"hour": 8, "minute": 44}
